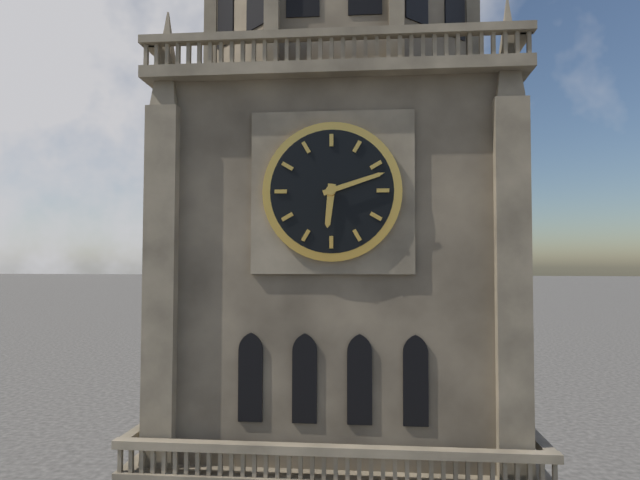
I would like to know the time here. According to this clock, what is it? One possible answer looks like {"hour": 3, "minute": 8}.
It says {"hour": 6, "minute": 12}
